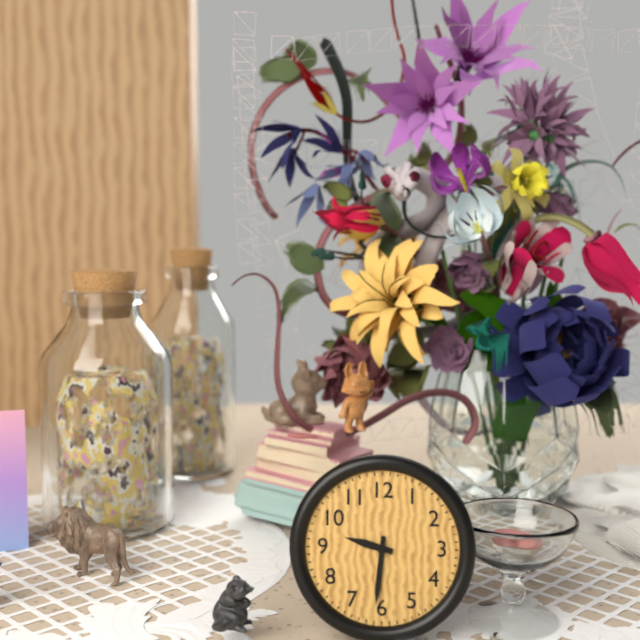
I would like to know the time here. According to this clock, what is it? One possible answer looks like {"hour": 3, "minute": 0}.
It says {"hour": 9, "minute": 31}
